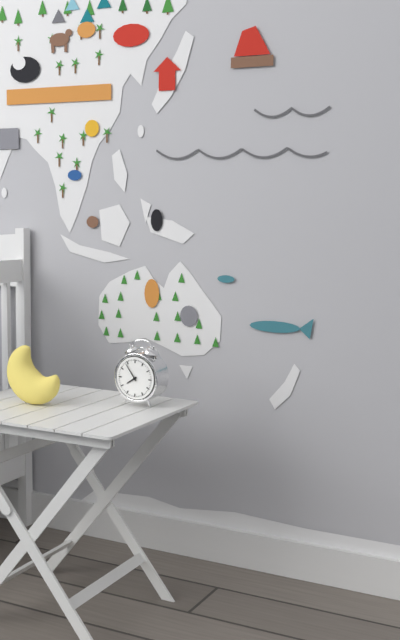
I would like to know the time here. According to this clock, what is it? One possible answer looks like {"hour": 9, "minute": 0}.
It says {"hour": 7, "minute": 54}
